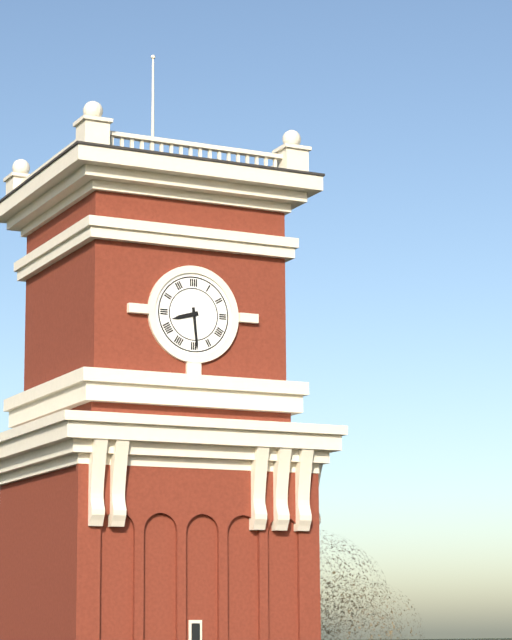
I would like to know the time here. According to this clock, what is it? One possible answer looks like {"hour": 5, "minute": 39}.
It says {"hour": 8, "minute": 29}
